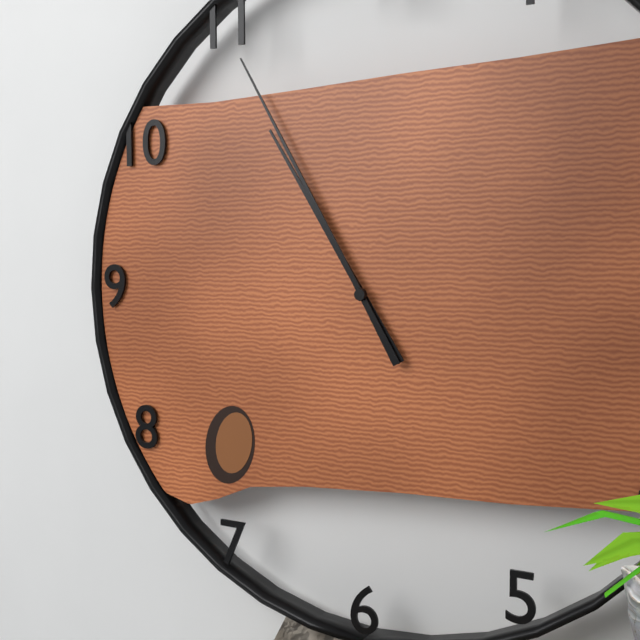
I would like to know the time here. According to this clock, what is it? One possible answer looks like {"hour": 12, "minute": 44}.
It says {"hour": 10, "minute": 55}
